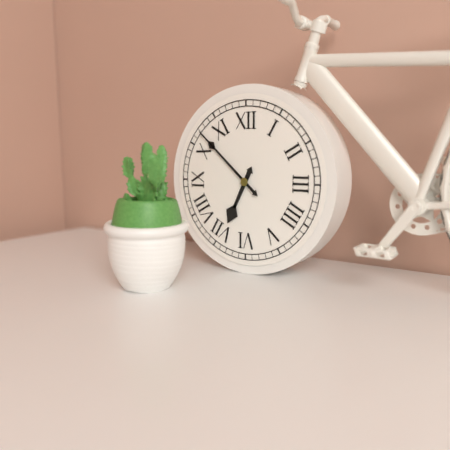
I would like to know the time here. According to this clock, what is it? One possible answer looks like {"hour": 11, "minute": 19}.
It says {"hour": 6, "minute": 52}
